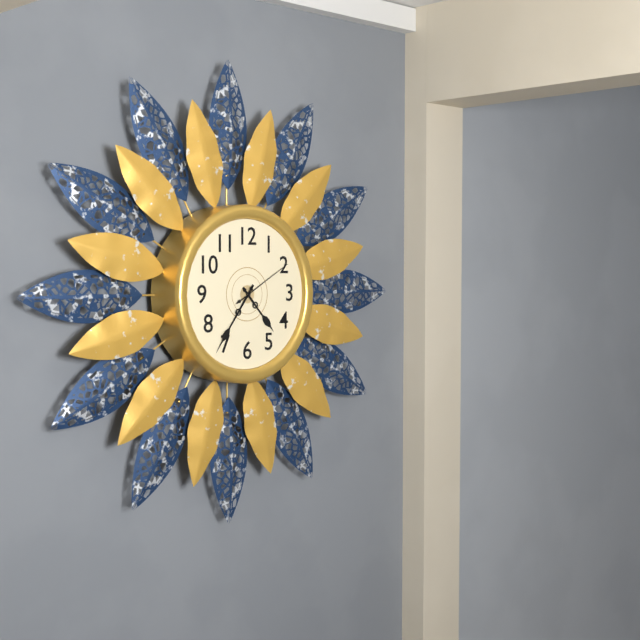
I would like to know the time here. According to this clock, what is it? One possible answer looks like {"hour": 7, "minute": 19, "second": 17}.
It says {"hour": 4, "minute": 36, "second": 10}
